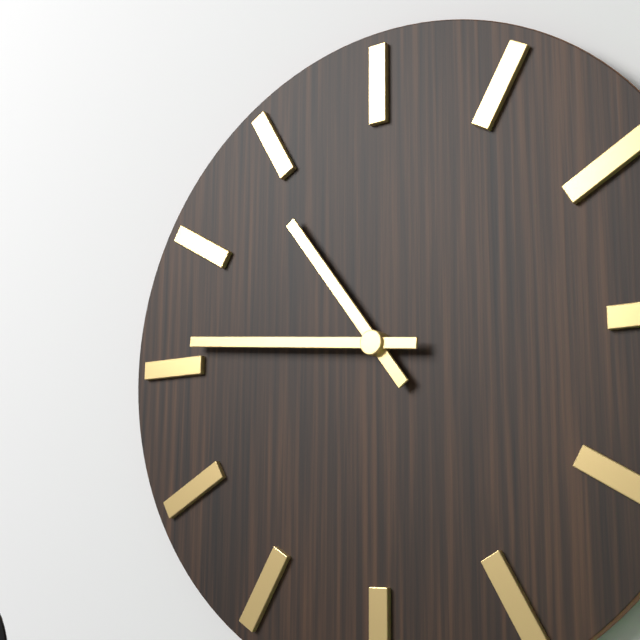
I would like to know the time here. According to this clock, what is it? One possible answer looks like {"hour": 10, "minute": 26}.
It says {"hour": 10, "minute": 46}
